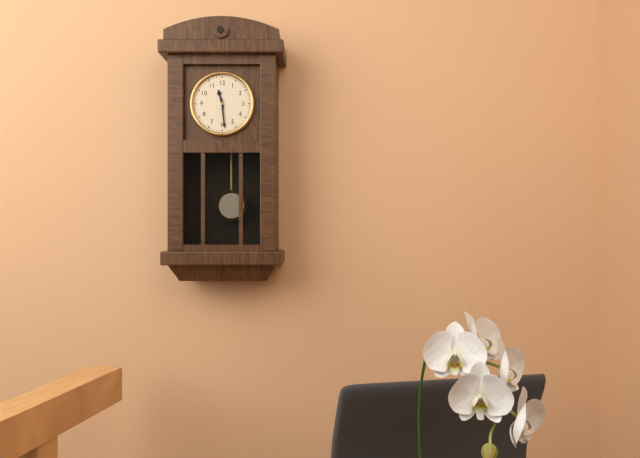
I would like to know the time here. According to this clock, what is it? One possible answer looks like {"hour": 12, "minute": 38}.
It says {"hour": 11, "minute": 29}
